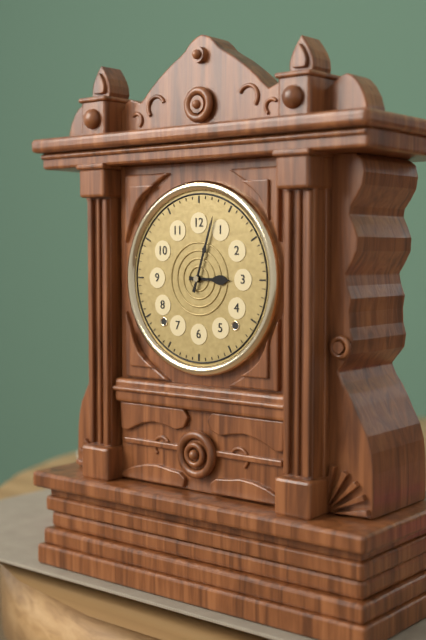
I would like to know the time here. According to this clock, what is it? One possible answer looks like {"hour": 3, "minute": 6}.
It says {"hour": 3, "minute": 3}
